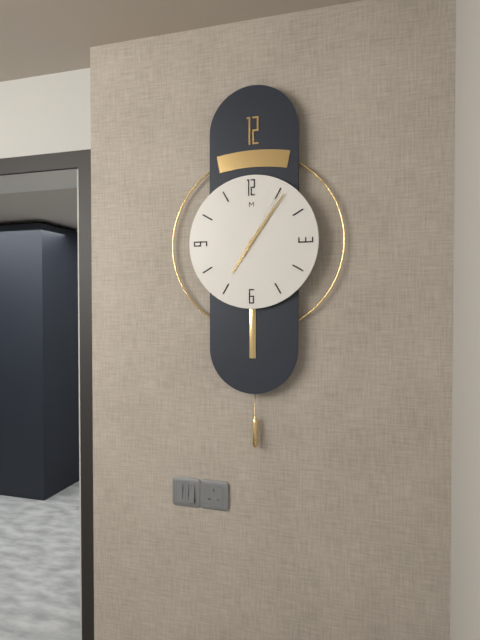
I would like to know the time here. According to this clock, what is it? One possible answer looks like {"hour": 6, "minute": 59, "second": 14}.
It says {"hour": 7, "minute": 6, "second": 5}
